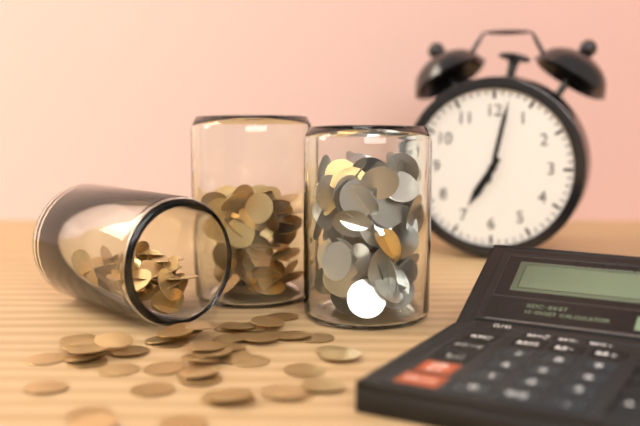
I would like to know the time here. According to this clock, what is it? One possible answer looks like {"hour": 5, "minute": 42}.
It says {"hour": 7, "minute": 2}
